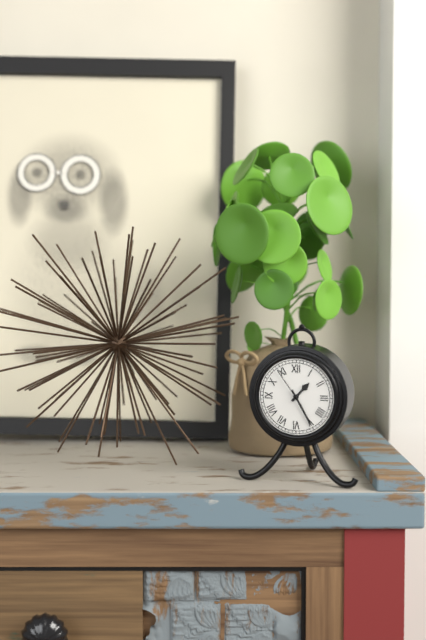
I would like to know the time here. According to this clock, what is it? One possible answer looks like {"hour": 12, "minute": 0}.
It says {"hour": 1, "minute": 25}
